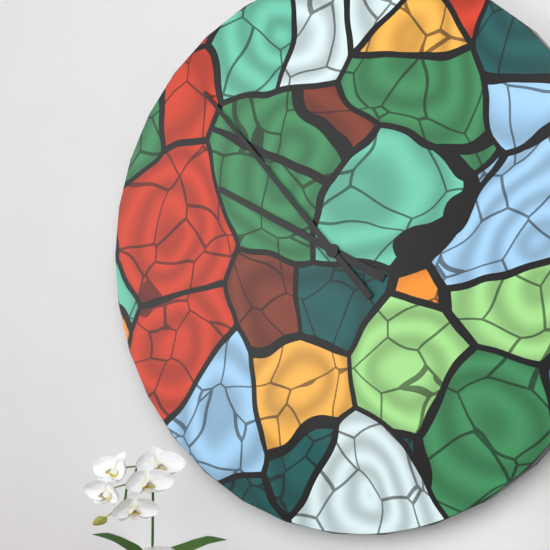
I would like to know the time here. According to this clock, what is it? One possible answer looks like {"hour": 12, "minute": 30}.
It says {"hour": 9, "minute": 53}
